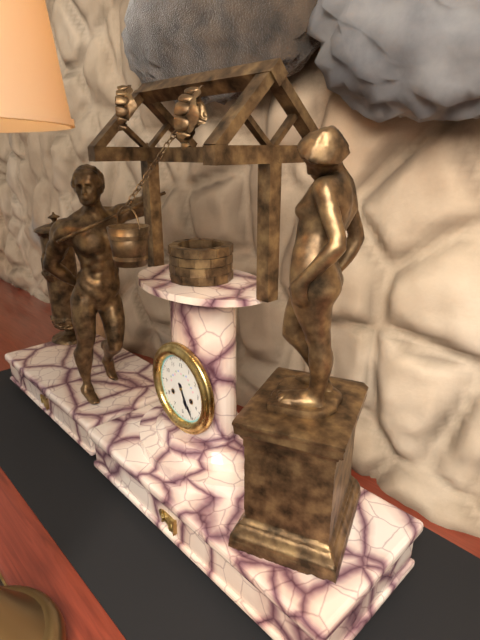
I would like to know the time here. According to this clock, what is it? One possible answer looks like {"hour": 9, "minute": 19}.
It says {"hour": 5, "minute": 25}
